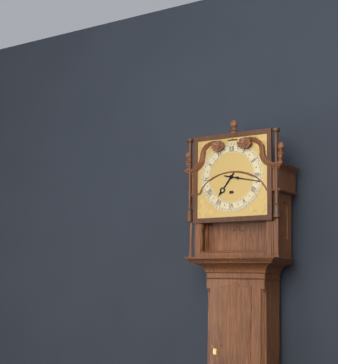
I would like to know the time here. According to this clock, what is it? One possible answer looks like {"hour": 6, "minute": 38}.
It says {"hour": 7, "minute": 17}
